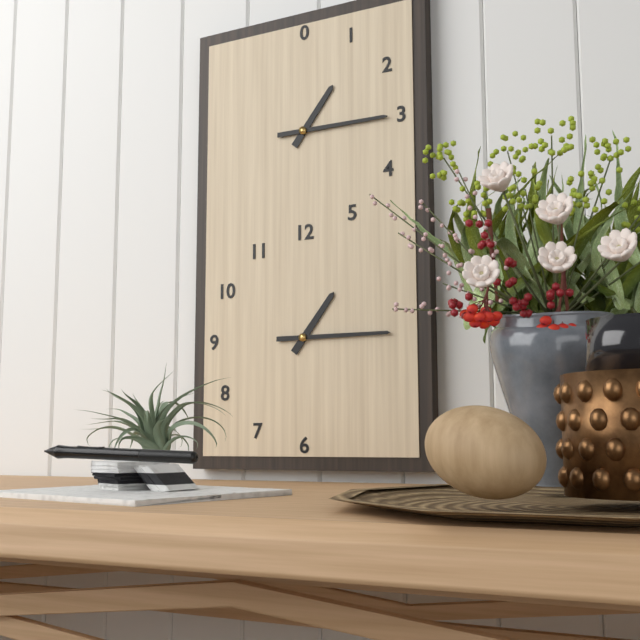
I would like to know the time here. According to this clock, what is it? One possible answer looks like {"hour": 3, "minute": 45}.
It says {"hour": 1, "minute": 15}
